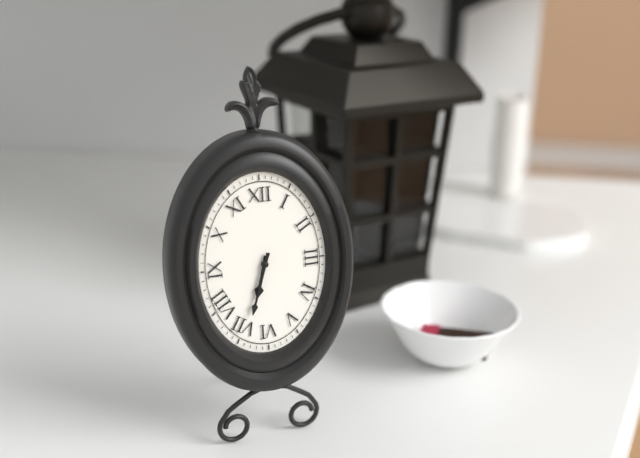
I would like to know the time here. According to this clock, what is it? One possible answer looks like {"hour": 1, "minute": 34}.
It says {"hour": 6, "minute": 33}
